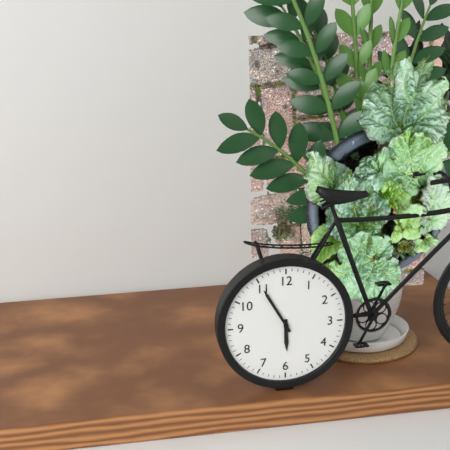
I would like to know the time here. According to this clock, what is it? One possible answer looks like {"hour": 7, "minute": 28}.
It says {"hour": 5, "minute": 55}
